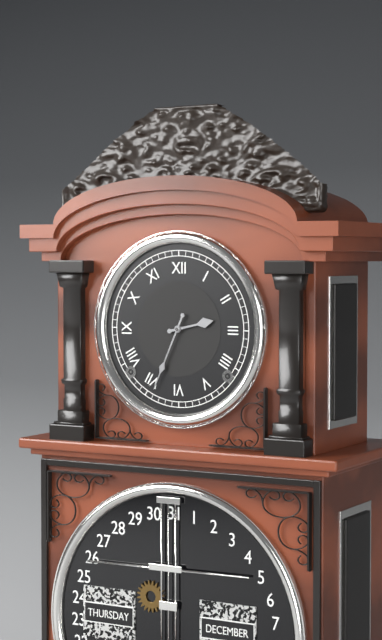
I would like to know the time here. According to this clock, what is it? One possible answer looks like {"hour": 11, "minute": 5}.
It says {"hour": 2, "minute": 34}
